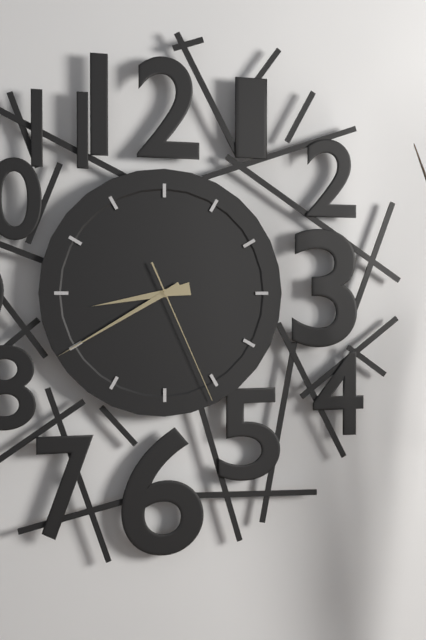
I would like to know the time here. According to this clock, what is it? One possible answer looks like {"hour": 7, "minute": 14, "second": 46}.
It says {"hour": 8, "minute": 40, "second": 26}
